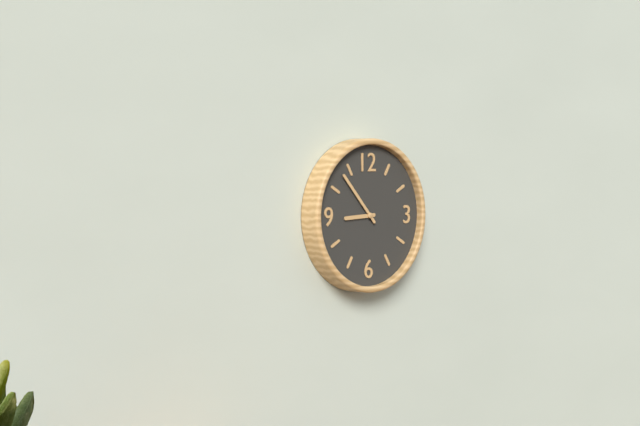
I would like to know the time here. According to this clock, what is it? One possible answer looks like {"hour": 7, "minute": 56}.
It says {"hour": 8, "minute": 53}
